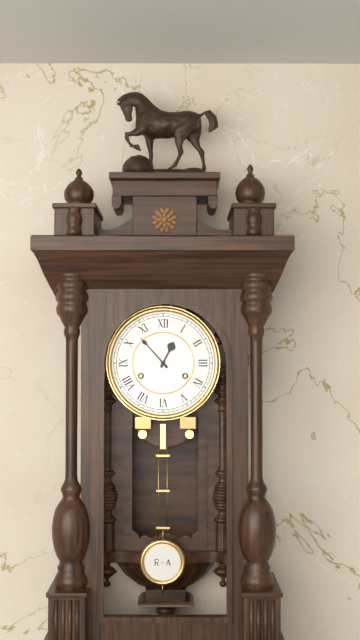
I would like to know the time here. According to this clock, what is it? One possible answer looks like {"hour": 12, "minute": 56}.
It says {"hour": 12, "minute": 53}
